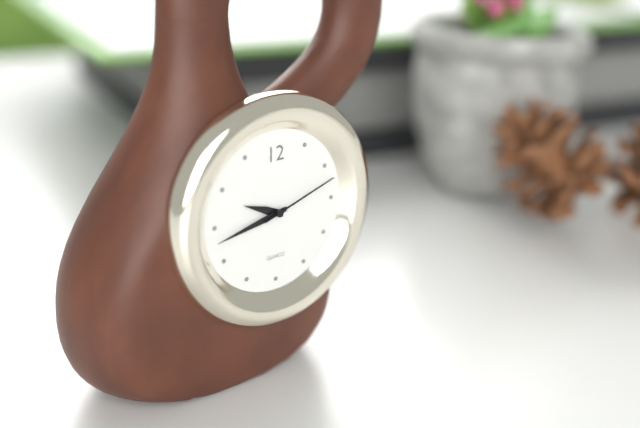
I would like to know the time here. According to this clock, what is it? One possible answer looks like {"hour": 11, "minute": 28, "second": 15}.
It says {"hour": 9, "minute": 43, "second": 12}
